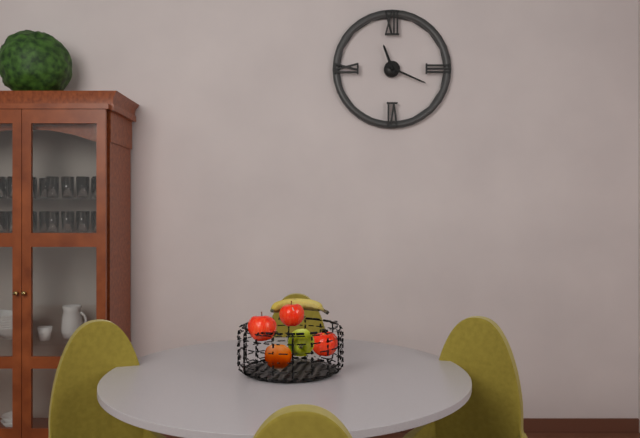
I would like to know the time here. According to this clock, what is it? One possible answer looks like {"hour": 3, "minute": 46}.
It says {"hour": 11, "minute": 19}
